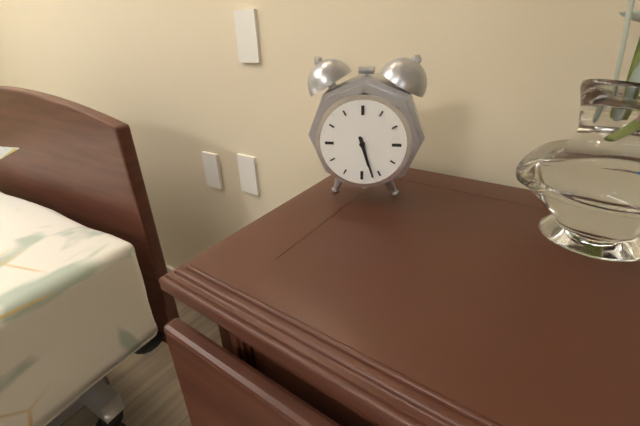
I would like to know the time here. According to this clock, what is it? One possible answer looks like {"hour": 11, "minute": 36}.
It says {"hour": 5, "minute": 27}
